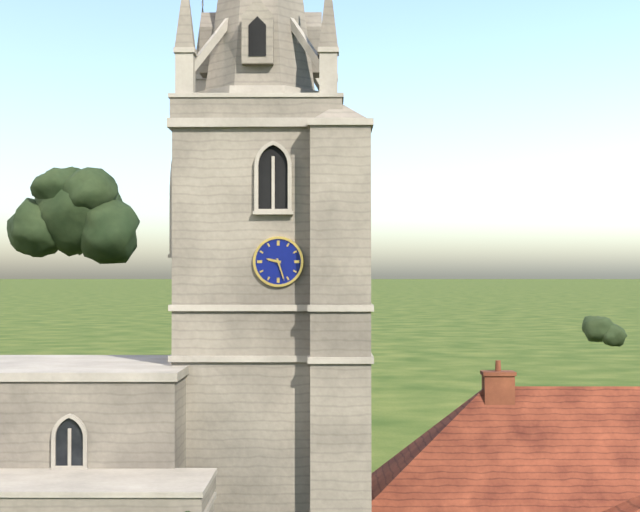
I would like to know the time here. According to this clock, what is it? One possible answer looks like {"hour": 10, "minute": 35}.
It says {"hour": 9, "minute": 27}
